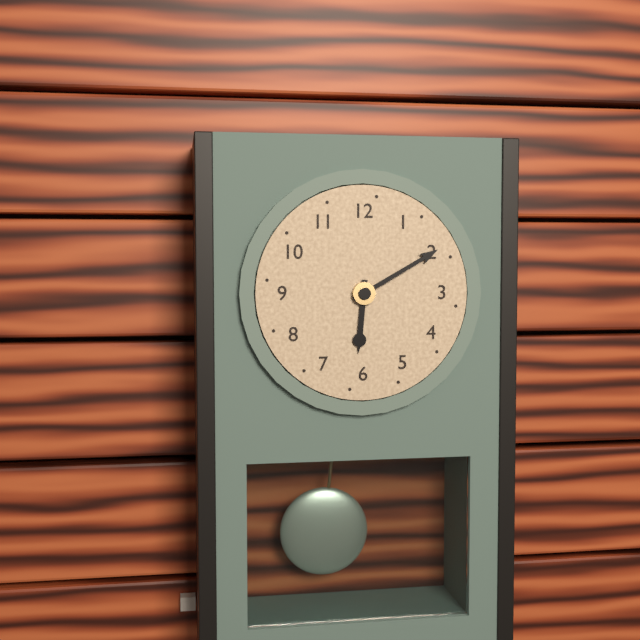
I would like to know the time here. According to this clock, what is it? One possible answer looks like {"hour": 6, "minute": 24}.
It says {"hour": 6, "minute": 10}
